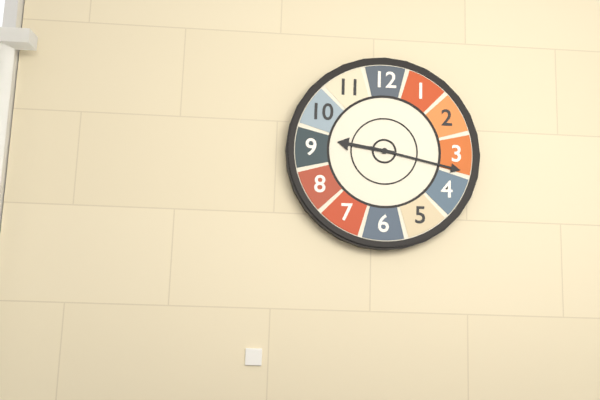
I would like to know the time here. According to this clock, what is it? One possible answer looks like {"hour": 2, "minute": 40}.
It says {"hour": 9, "minute": 17}
